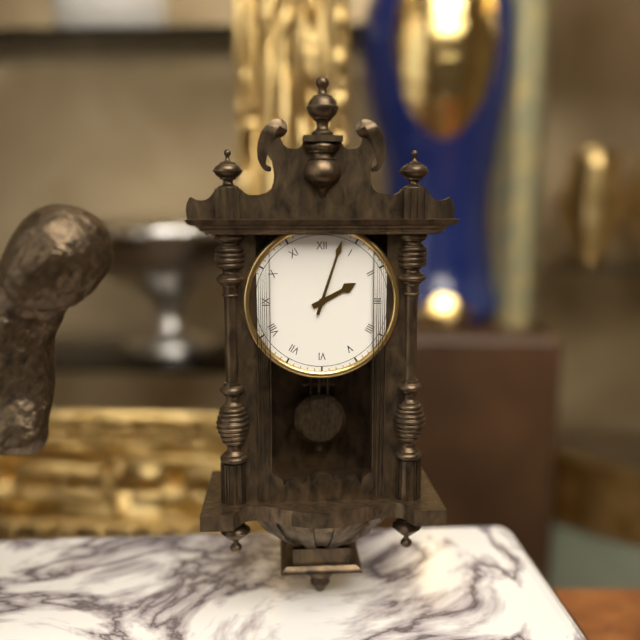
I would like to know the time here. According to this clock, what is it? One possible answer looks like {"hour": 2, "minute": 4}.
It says {"hour": 2, "minute": 3}
